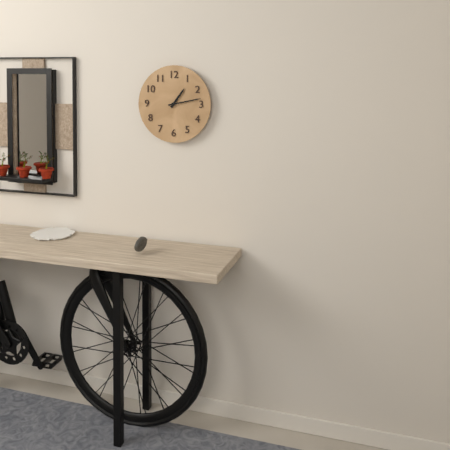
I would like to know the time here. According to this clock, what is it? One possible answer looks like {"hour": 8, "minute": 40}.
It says {"hour": 1, "minute": 13}
